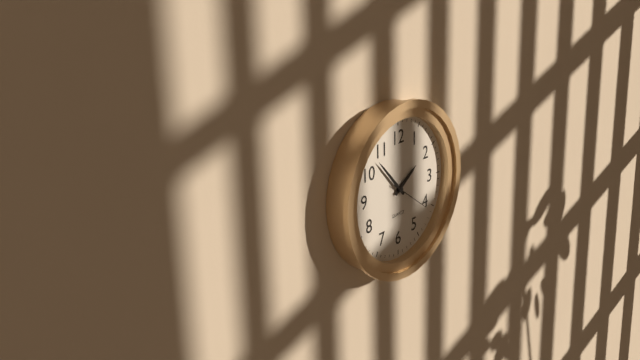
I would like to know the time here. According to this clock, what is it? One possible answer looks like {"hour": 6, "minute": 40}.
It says {"hour": 1, "minute": 53}
